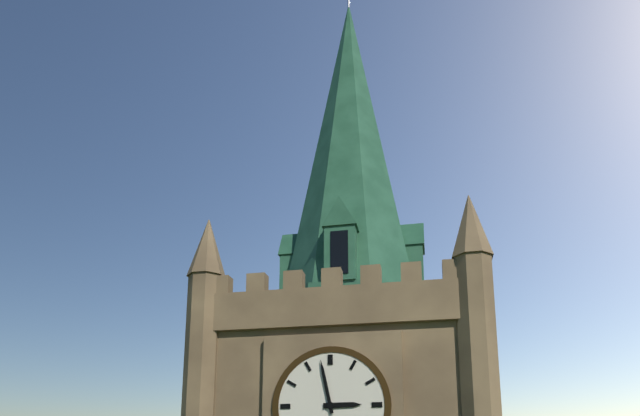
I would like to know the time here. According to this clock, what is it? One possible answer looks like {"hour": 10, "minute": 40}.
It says {"hour": 2, "minute": 58}
